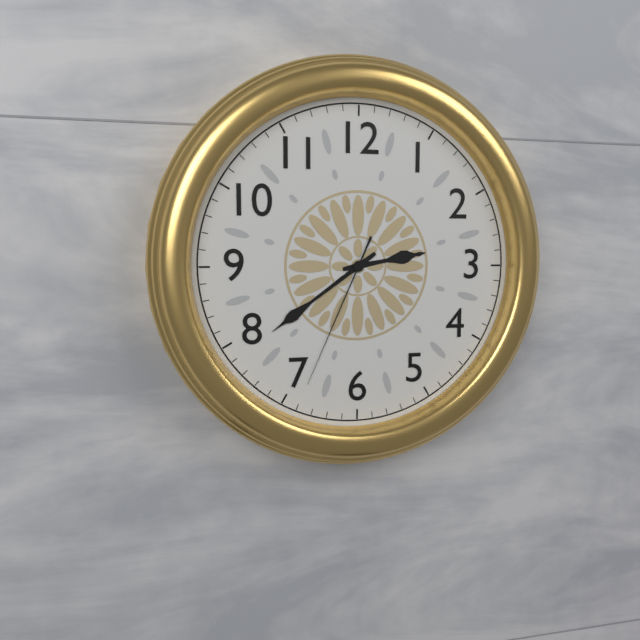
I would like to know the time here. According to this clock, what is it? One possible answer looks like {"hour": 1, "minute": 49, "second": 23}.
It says {"hour": 2, "minute": 39, "second": 34}
